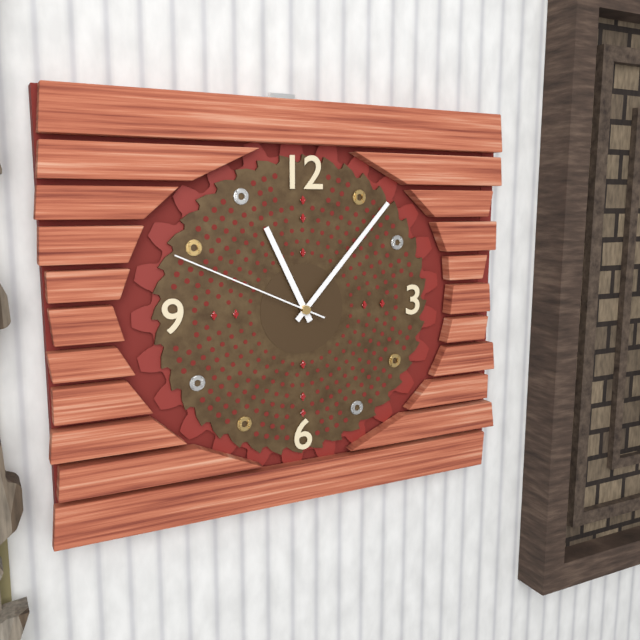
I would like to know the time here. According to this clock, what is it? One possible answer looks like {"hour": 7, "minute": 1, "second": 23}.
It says {"hour": 11, "minute": 7, "second": 49}
